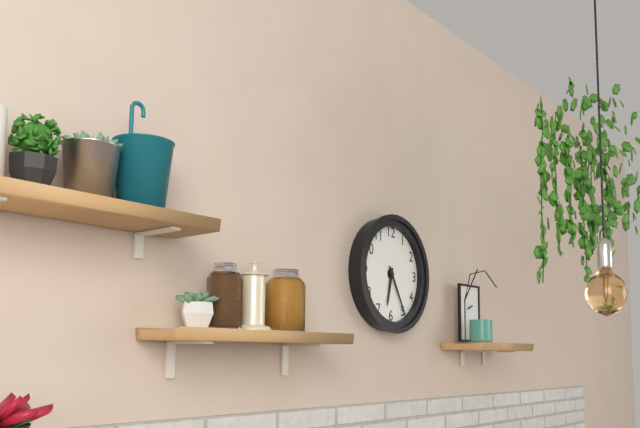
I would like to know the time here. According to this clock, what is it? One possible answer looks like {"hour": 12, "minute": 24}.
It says {"hour": 6, "minute": 25}
